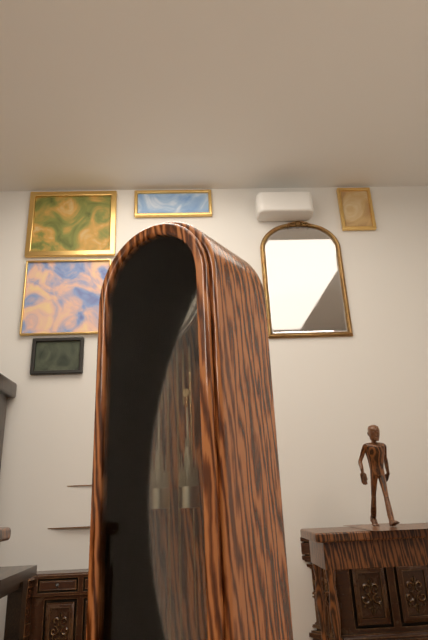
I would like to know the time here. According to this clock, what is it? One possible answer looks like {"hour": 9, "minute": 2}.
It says {"hour": 8, "minute": 56}
